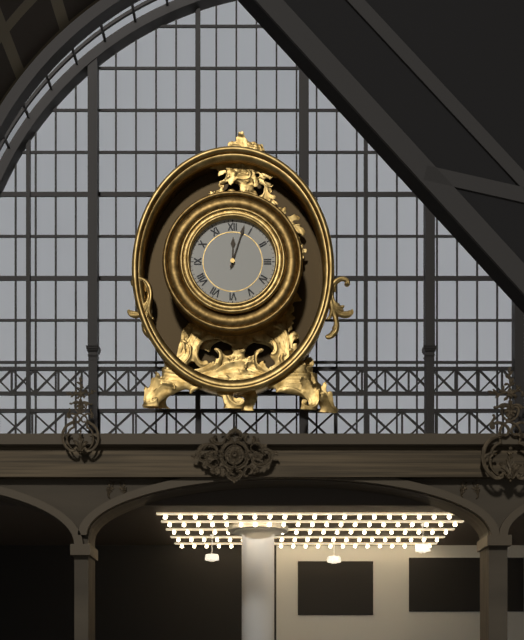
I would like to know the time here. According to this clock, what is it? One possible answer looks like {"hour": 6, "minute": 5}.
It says {"hour": 12, "minute": 3}
